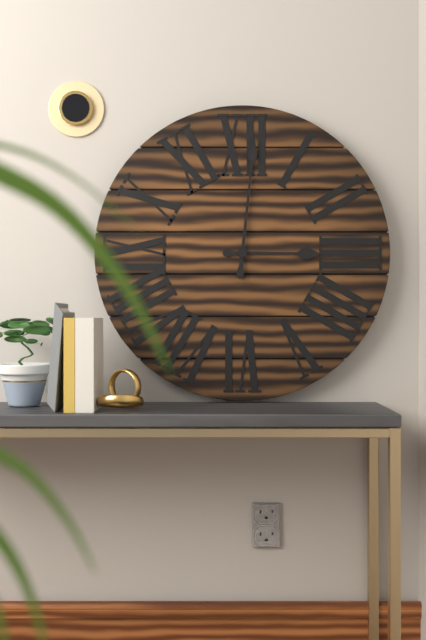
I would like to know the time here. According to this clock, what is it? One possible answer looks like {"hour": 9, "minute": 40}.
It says {"hour": 3, "minute": 1}
